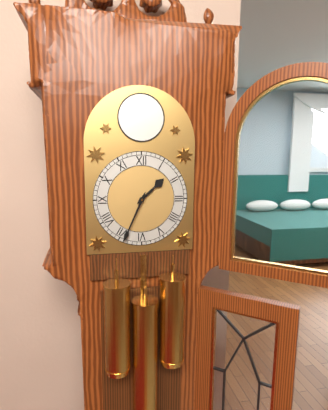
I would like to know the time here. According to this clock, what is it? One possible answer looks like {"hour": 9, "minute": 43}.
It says {"hour": 1, "minute": 34}
